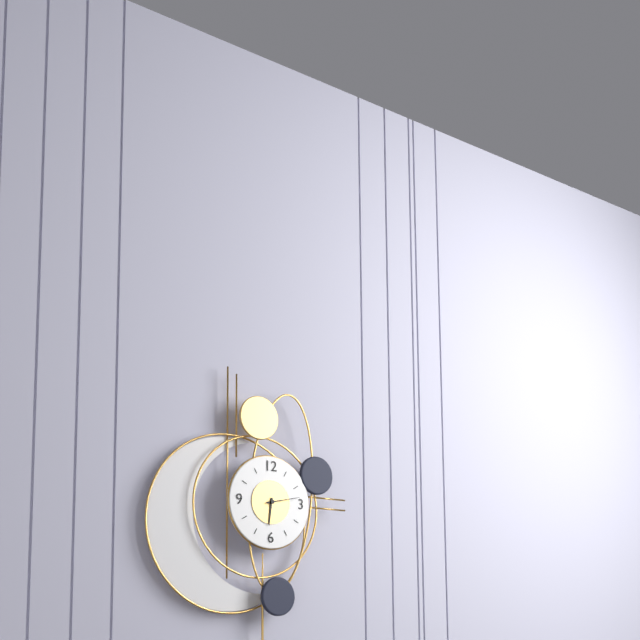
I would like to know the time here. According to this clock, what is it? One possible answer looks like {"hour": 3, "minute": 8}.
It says {"hour": 6, "minute": 13}
